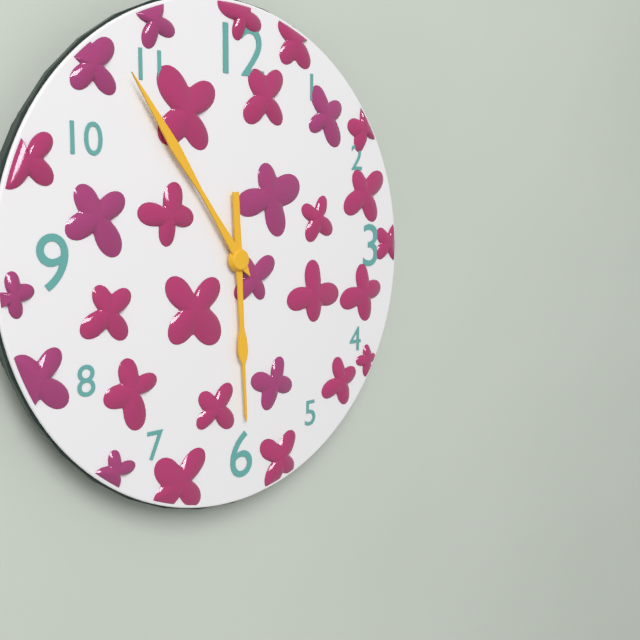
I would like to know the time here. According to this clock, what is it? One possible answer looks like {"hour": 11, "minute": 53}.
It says {"hour": 5, "minute": 54}
